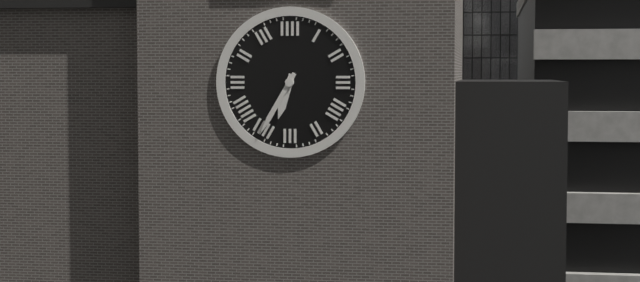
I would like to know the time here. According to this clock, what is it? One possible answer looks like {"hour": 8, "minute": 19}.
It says {"hour": 6, "minute": 35}
